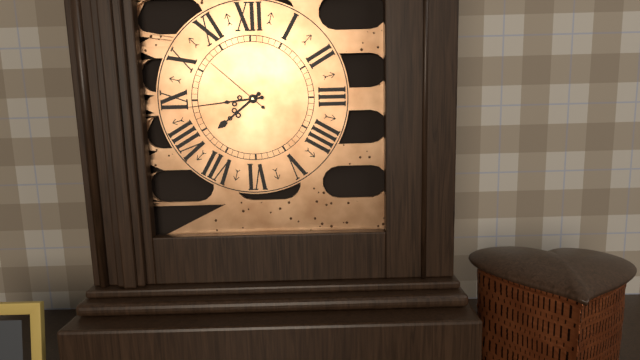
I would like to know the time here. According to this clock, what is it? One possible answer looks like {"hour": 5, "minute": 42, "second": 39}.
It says {"hour": 7, "minute": 44, "second": 52}
